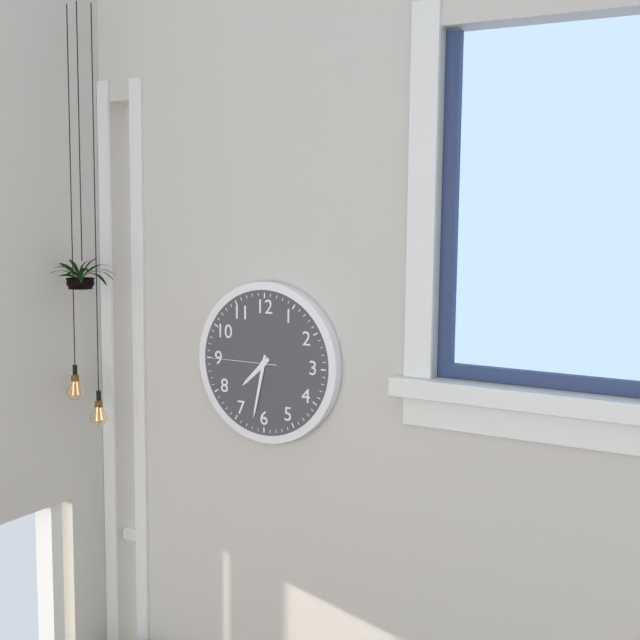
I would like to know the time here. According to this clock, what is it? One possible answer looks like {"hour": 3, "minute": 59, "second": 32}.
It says {"hour": 7, "minute": 32, "second": 45}
